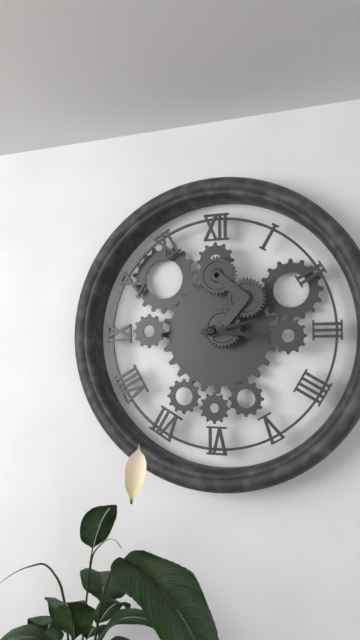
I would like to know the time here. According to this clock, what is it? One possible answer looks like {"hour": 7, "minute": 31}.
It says {"hour": 3, "minute": 13}
